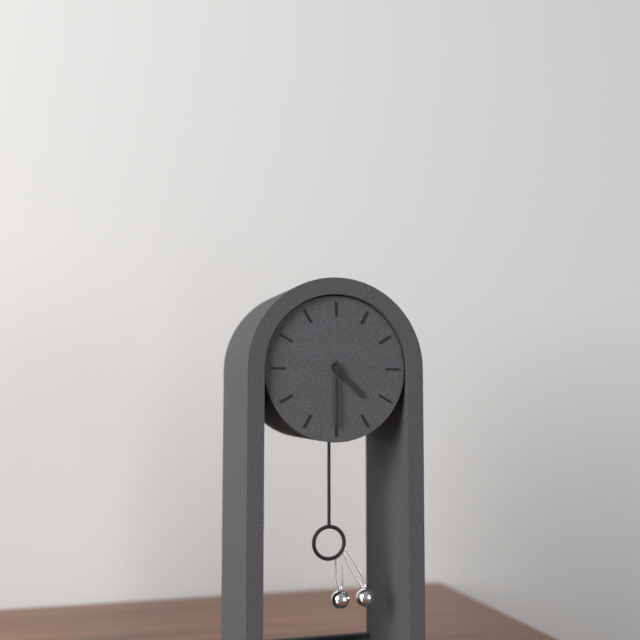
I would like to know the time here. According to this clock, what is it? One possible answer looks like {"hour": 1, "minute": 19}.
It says {"hour": 4, "minute": 30}
